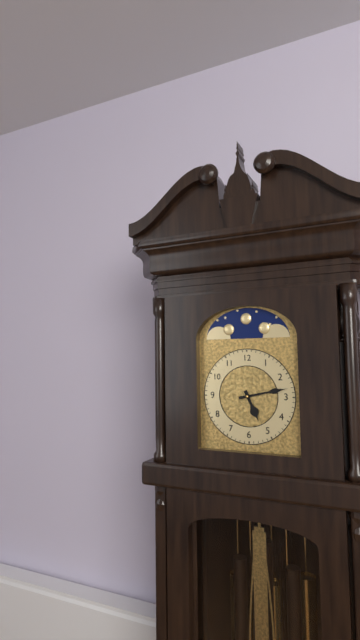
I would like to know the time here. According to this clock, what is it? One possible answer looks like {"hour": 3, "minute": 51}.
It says {"hour": 5, "minute": 13}
